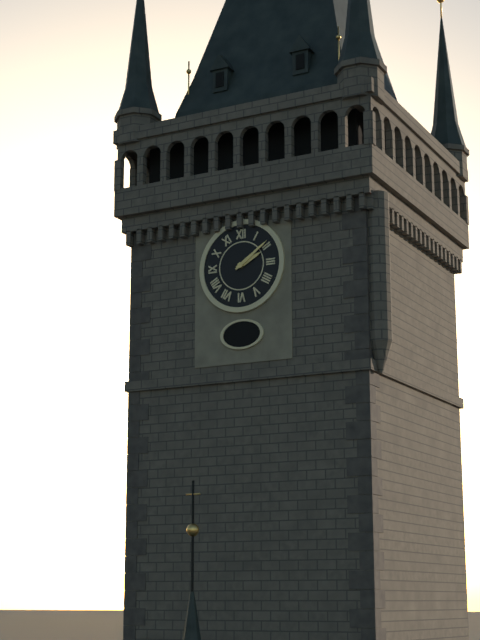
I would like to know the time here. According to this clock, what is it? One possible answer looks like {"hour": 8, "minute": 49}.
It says {"hour": 2, "minute": 9}
